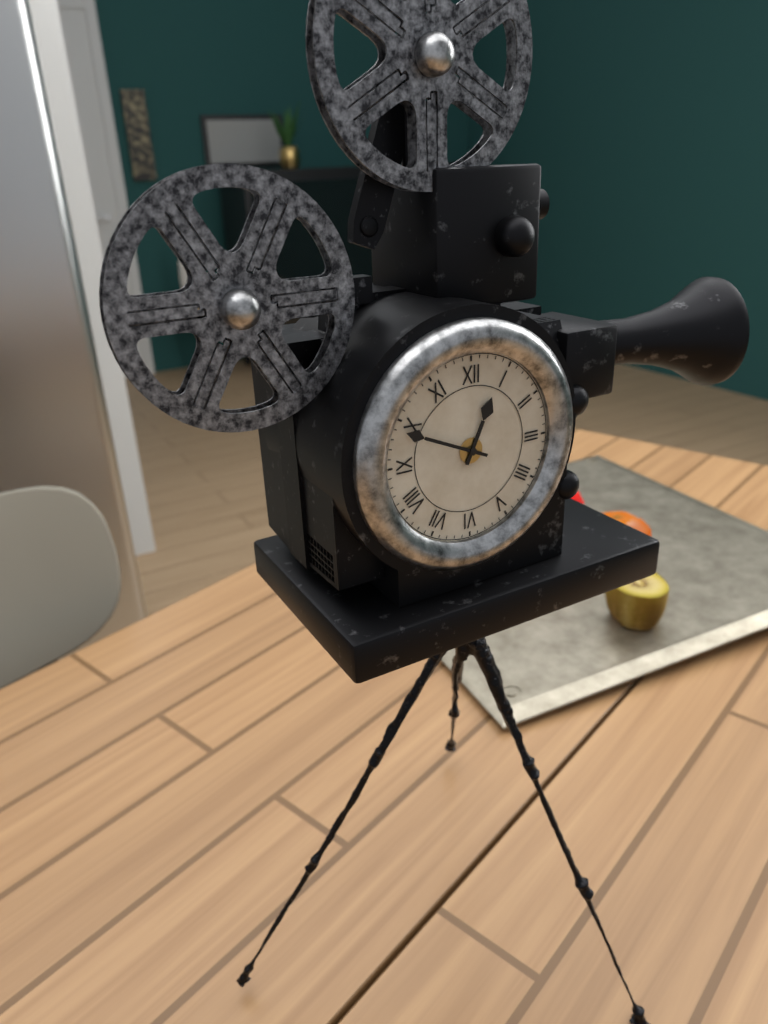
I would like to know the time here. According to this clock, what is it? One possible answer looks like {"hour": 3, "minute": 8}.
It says {"hour": 12, "minute": 49}
